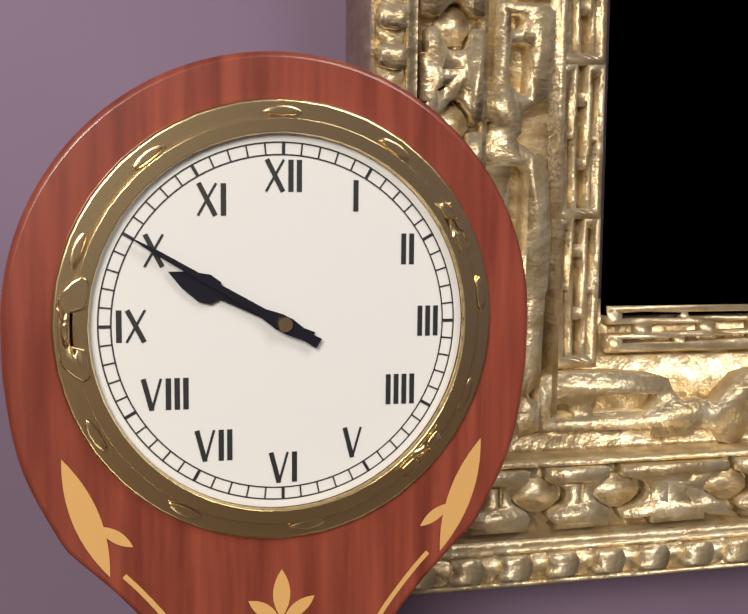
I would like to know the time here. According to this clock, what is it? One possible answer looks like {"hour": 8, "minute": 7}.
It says {"hour": 9, "minute": 50}
